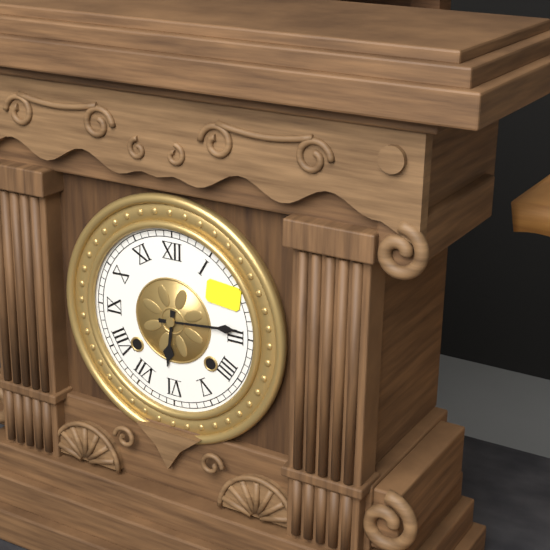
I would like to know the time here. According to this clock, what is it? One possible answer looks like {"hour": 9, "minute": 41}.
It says {"hour": 6, "minute": 14}
